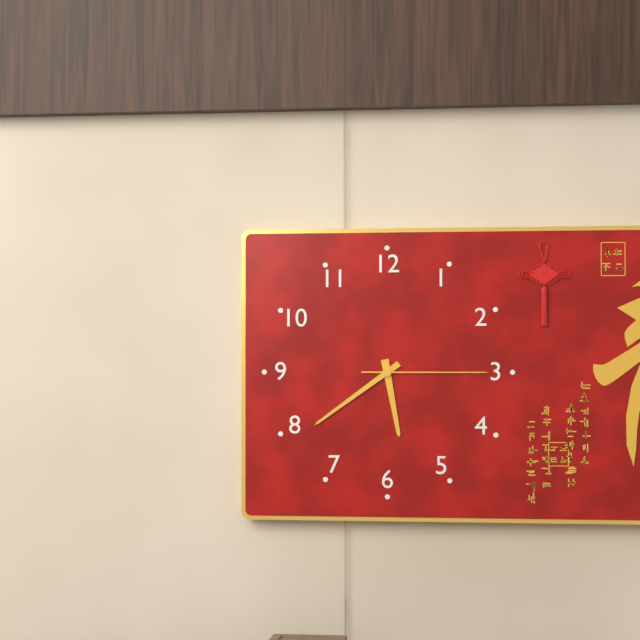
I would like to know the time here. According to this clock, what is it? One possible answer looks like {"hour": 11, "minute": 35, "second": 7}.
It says {"hour": 5, "minute": 39, "second": 15}
